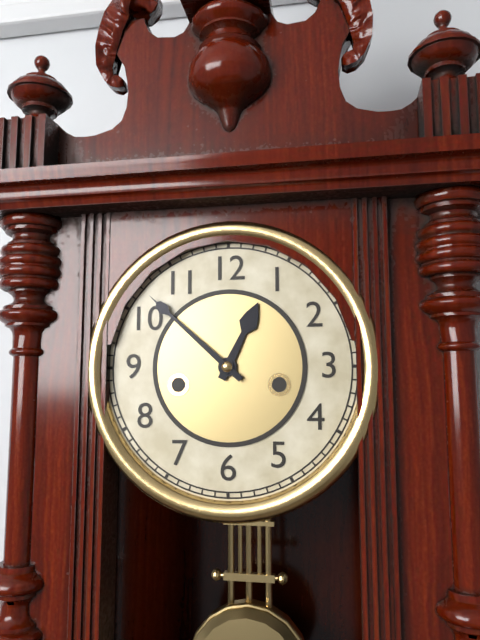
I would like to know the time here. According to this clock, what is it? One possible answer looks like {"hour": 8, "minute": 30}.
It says {"hour": 12, "minute": 52}
